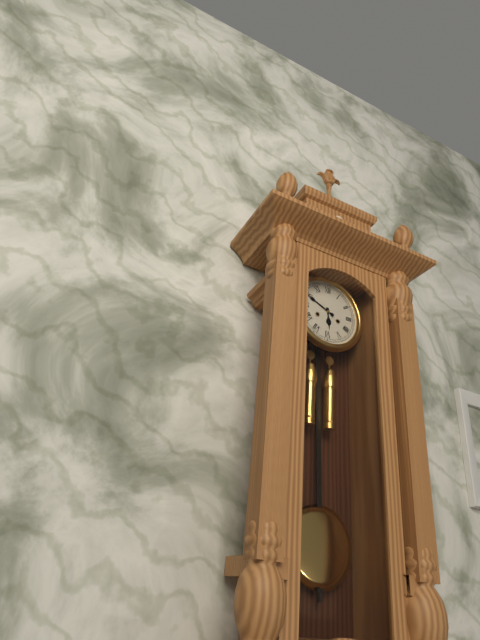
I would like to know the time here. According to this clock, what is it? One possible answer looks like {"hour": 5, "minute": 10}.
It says {"hour": 5, "minute": 49}
